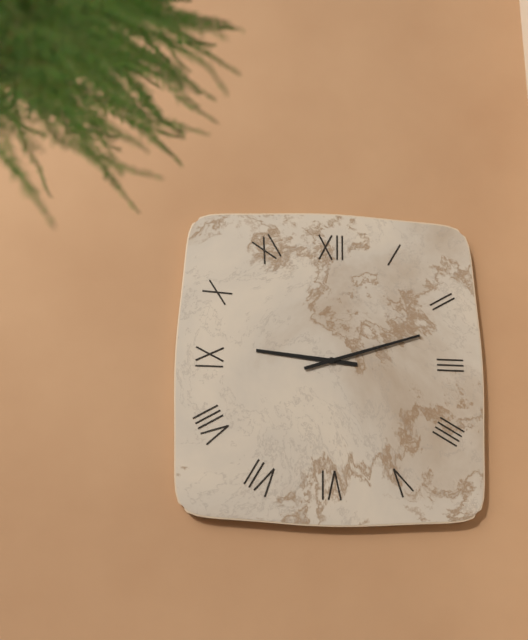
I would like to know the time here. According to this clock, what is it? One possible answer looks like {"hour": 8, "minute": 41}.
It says {"hour": 9, "minute": 12}
